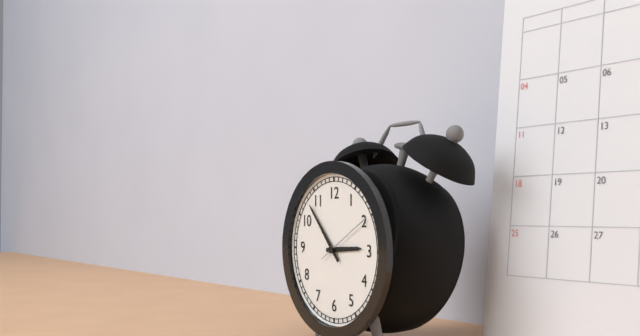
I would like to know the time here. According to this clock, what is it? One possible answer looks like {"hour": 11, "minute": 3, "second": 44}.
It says {"hour": 2, "minute": 53, "second": 10}
